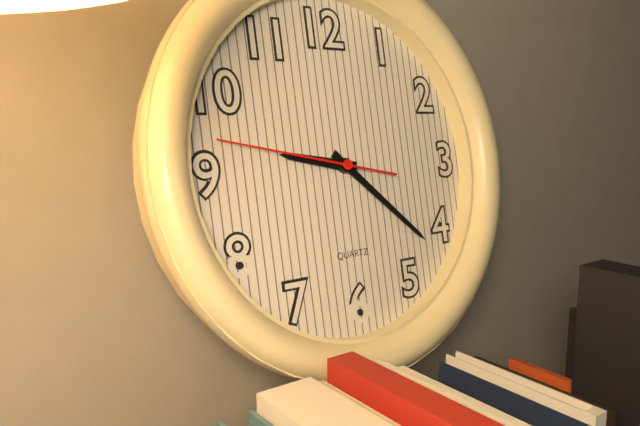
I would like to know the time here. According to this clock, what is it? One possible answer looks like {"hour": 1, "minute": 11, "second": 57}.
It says {"hour": 9, "minute": 22, "second": 47}
